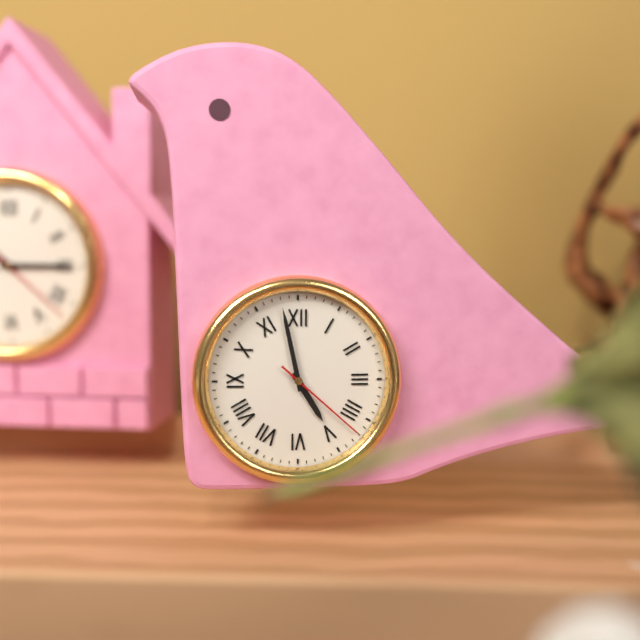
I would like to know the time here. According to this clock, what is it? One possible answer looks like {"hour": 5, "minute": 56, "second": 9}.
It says {"hour": 4, "minute": 58, "second": 22}
